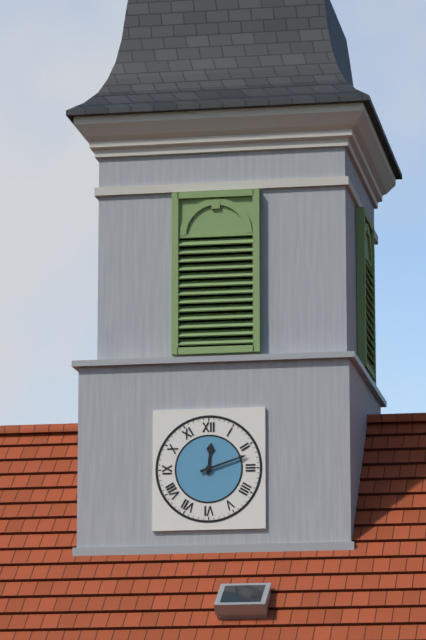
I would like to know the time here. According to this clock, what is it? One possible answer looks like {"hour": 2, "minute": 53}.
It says {"hour": 12, "minute": 12}
